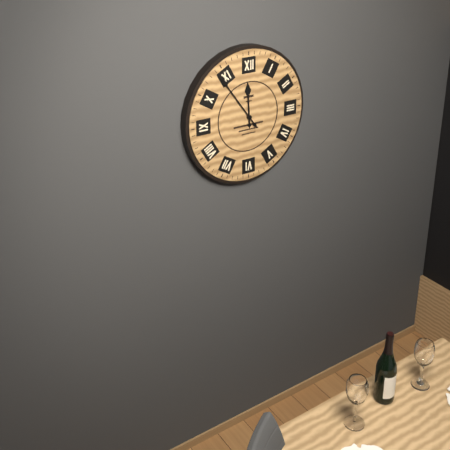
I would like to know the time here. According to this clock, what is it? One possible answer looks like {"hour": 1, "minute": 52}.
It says {"hour": 11, "minute": 54}
